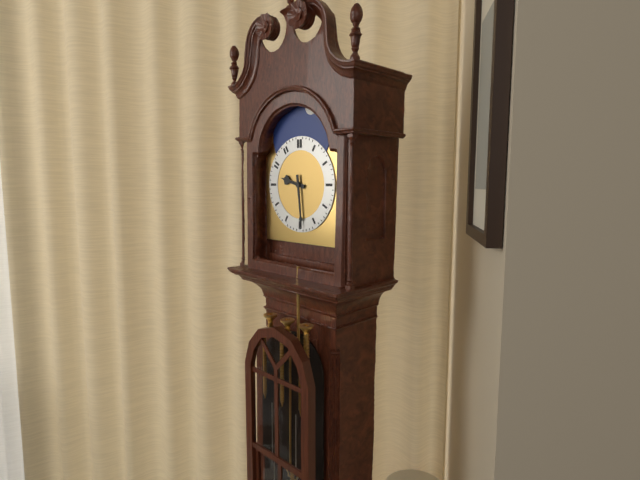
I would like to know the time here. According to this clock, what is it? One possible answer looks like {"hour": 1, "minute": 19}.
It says {"hour": 9, "minute": 29}
